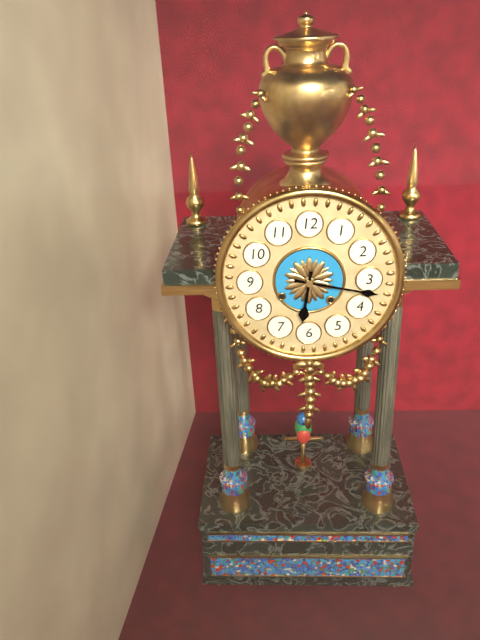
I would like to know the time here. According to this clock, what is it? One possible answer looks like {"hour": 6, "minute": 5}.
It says {"hour": 6, "minute": 17}
